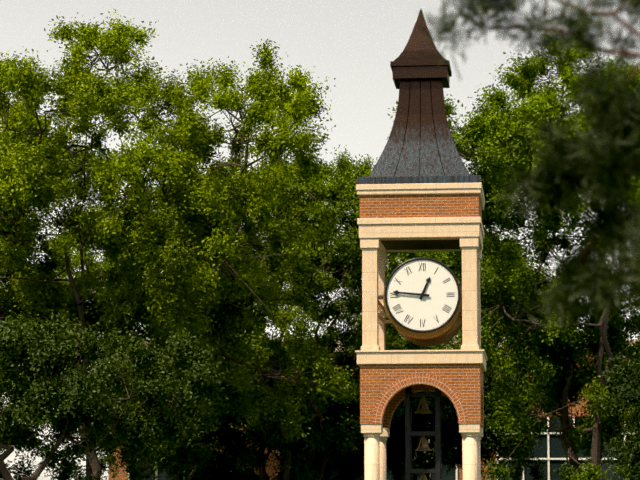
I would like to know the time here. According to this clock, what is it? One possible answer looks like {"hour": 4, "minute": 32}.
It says {"hour": 12, "minute": 46}
